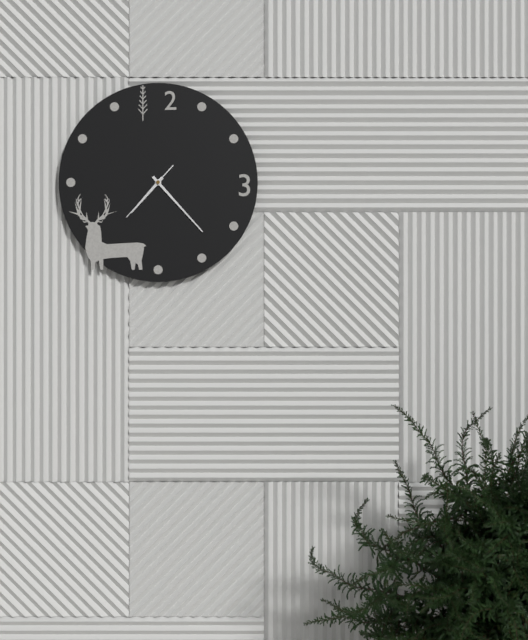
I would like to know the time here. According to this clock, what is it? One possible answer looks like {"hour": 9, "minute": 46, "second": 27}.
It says {"hour": 7, "minute": 23, "second": 37}
